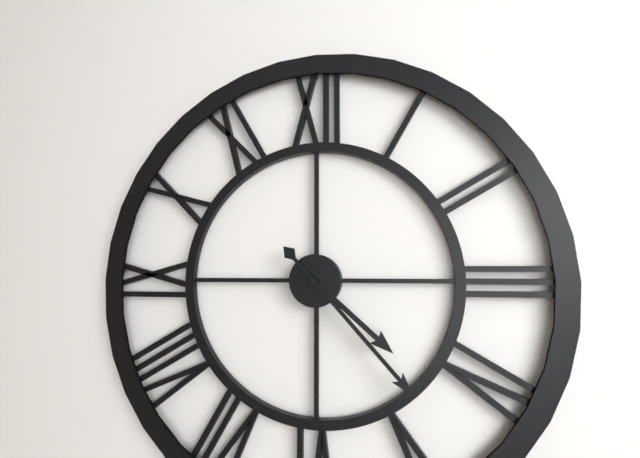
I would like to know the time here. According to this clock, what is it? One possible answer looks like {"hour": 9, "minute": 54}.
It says {"hour": 4, "minute": 23}
